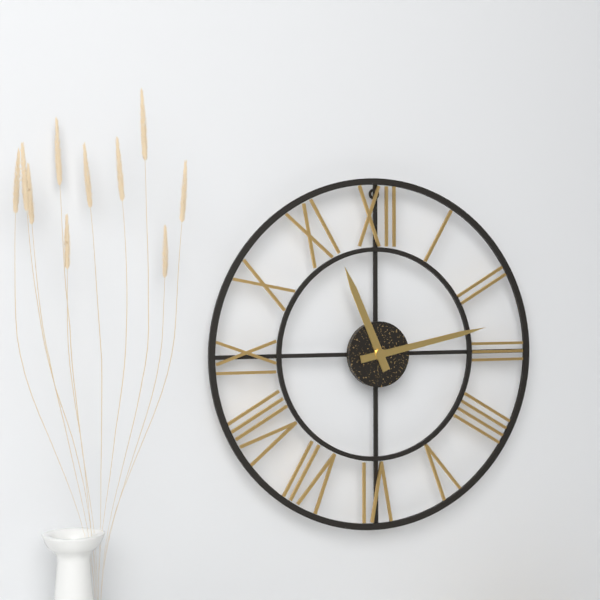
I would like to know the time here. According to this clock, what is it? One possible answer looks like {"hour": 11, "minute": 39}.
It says {"hour": 11, "minute": 13}
